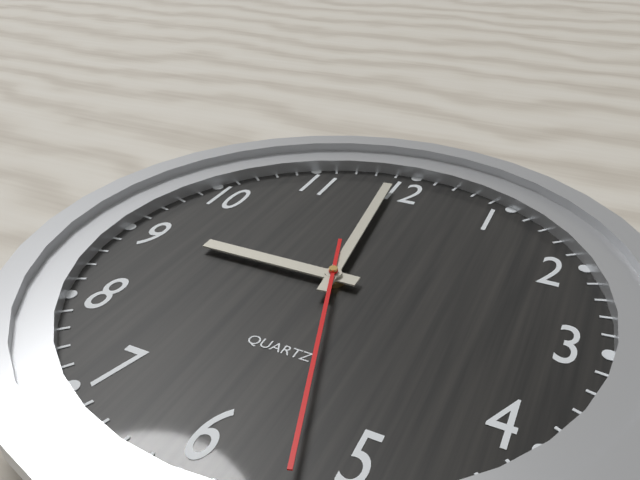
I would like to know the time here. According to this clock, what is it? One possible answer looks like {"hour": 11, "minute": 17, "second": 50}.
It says {"hour": 8, "minute": 59, "second": 27}
